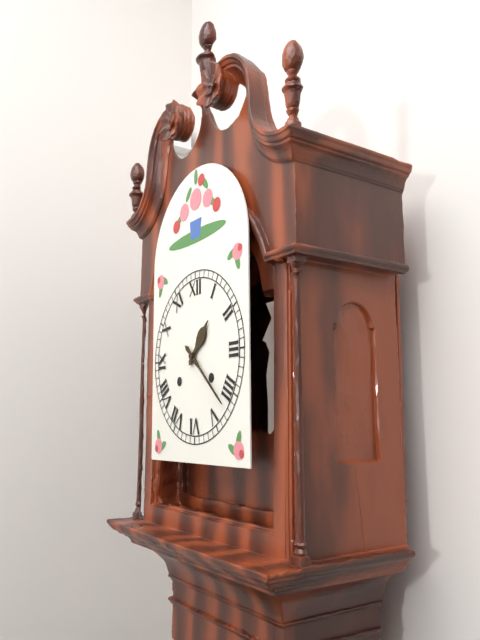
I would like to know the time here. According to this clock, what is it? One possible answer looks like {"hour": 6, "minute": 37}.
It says {"hour": 1, "minute": 22}
